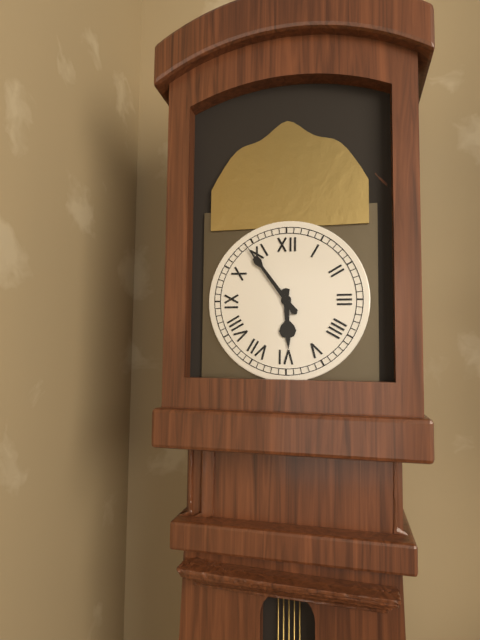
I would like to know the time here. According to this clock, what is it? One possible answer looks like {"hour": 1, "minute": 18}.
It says {"hour": 5, "minute": 54}
